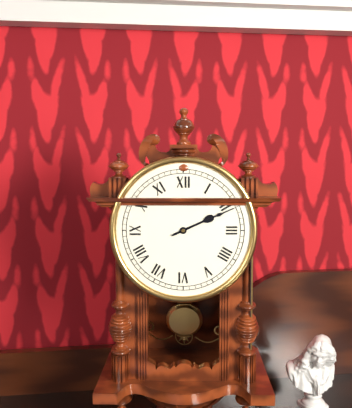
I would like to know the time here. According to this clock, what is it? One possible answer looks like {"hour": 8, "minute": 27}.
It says {"hour": 2, "minute": 11}
